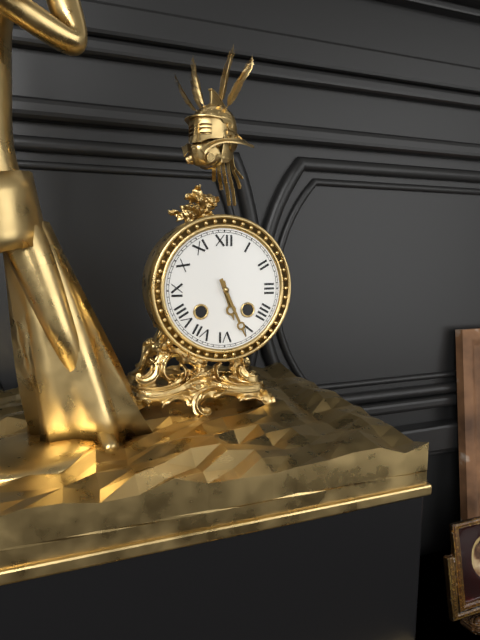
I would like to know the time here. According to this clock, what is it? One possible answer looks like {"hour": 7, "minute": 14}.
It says {"hour": 5, "minute": 26}
